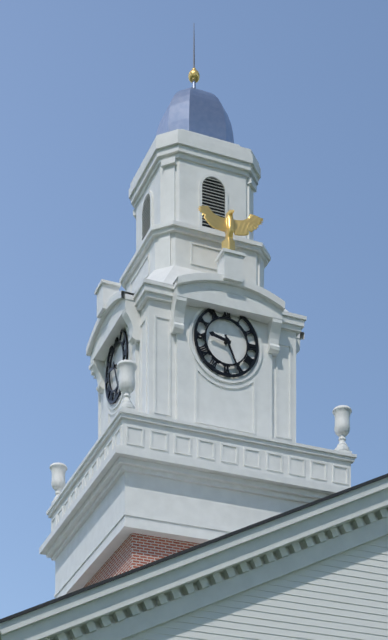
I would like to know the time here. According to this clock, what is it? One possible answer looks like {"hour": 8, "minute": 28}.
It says {"hour": 9, "minute": 26}
